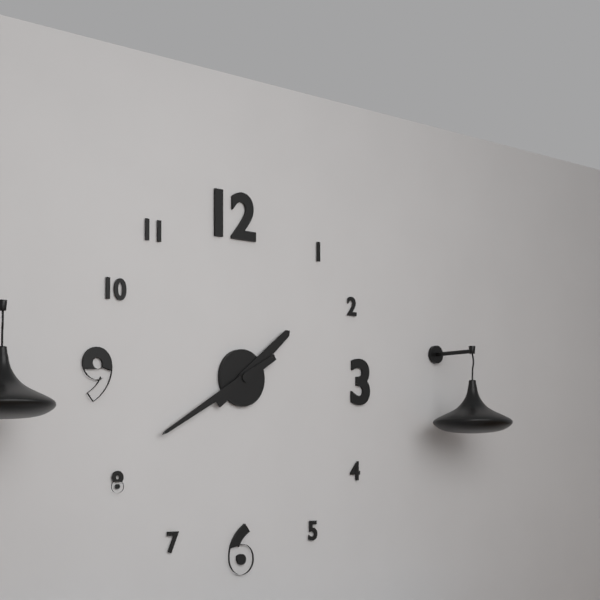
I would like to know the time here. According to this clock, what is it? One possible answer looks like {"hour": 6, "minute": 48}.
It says {"hour": 1, "minute": 40}
